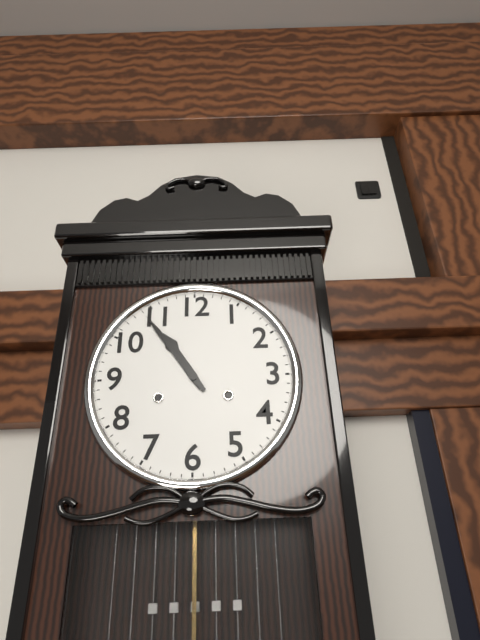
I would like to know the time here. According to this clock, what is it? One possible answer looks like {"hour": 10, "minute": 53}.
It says {"hour": 10, "minute": 54}
